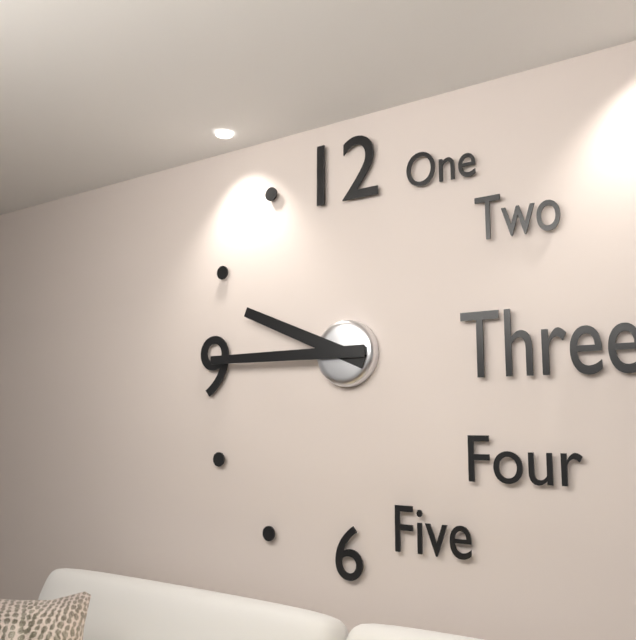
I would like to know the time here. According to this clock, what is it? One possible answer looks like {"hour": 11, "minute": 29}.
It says {"hour": 9, "minute": 45}
